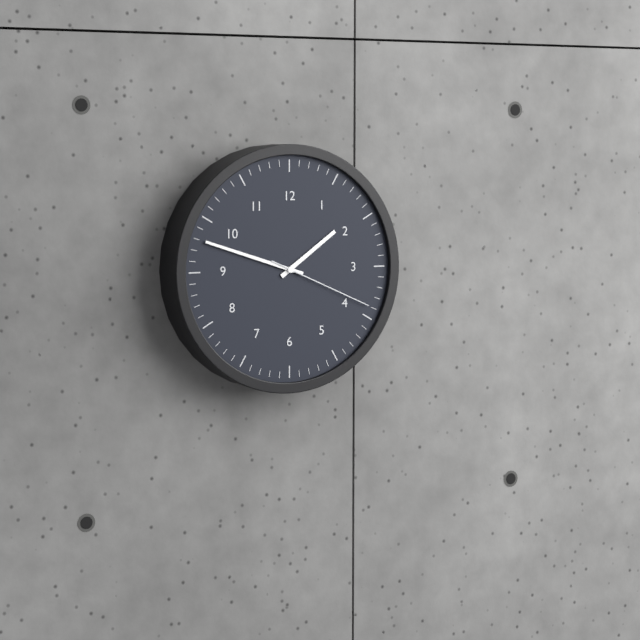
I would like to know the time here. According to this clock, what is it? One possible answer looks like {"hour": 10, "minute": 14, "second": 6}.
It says {"hour": 1, "minute": 48, "second": 19}
